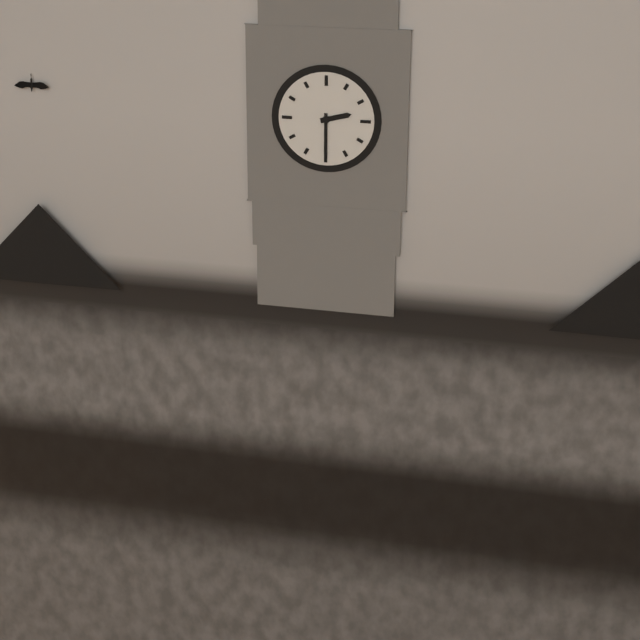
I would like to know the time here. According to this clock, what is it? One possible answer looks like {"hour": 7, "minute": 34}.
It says {"hour": 2, "minute": 30}
